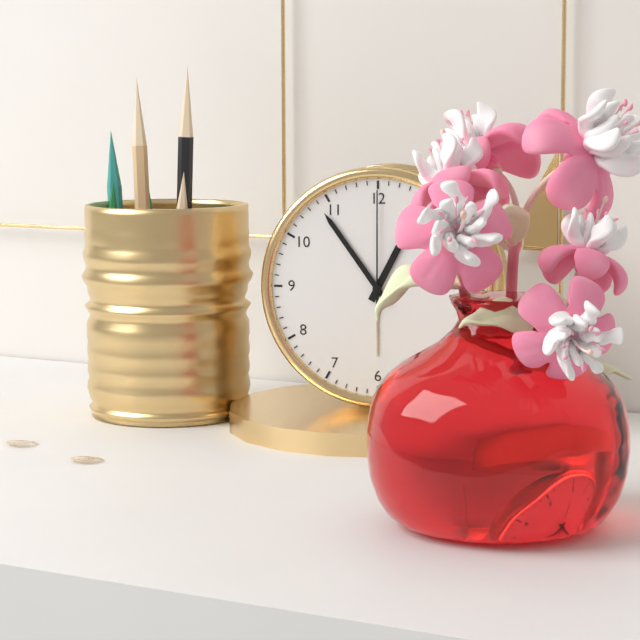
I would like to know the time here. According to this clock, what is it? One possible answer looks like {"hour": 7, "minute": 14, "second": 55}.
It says {"hour": 12, "minute": 54, "second": 0}
